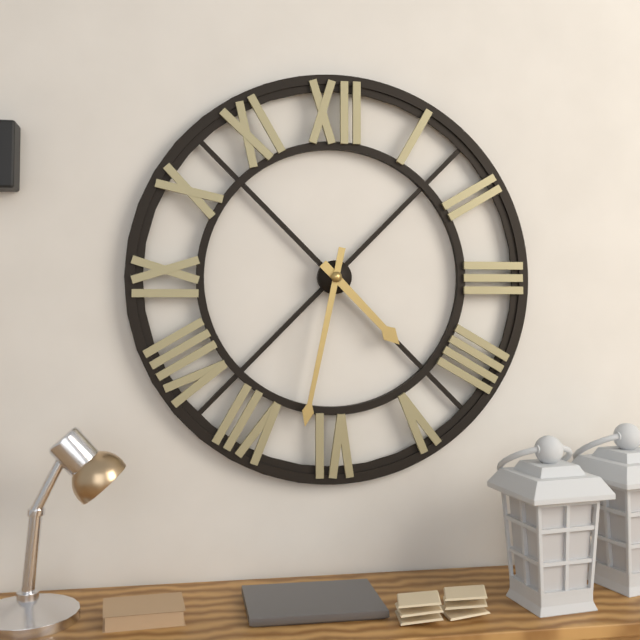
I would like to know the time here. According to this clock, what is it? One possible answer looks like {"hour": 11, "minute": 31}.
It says {"hour": 4, "minute": 32}
